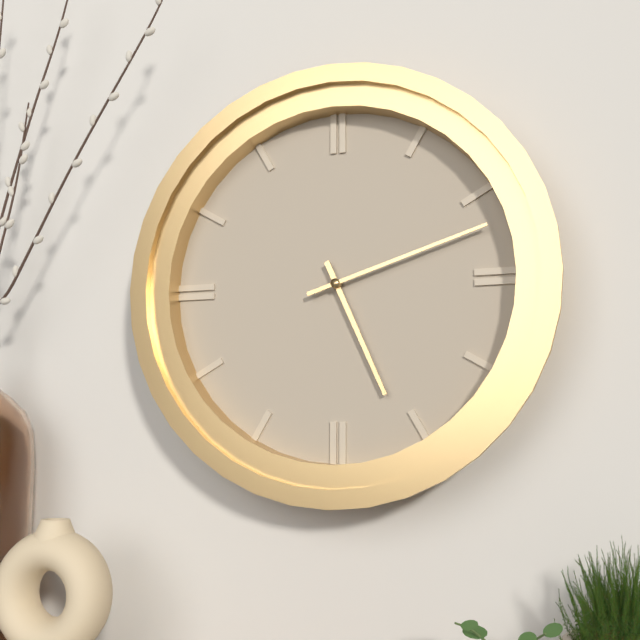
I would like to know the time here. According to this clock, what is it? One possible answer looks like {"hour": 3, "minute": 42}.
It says {"hour": 5, "minute": 12}
